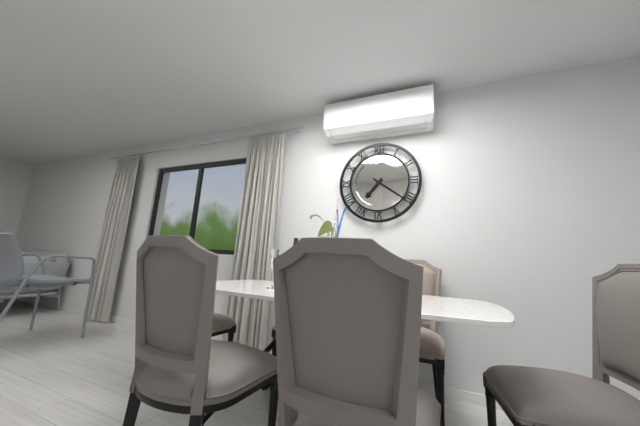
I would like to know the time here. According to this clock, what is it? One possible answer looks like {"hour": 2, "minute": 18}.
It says {"hour": 7, "minute": 21}
